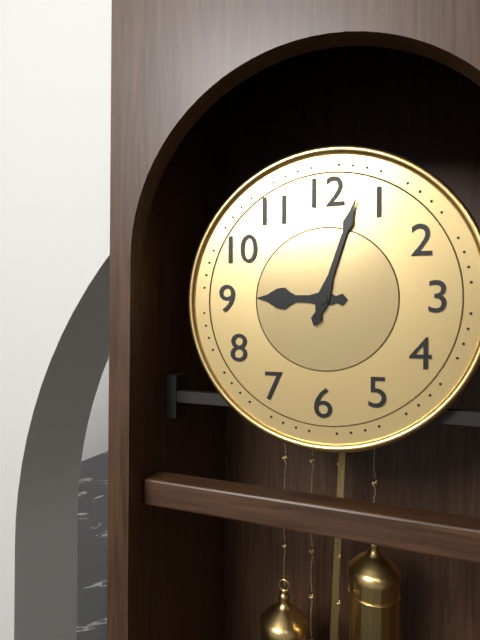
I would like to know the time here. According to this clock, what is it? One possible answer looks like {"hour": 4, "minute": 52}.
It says {"hour": 9, "minute": 3}
